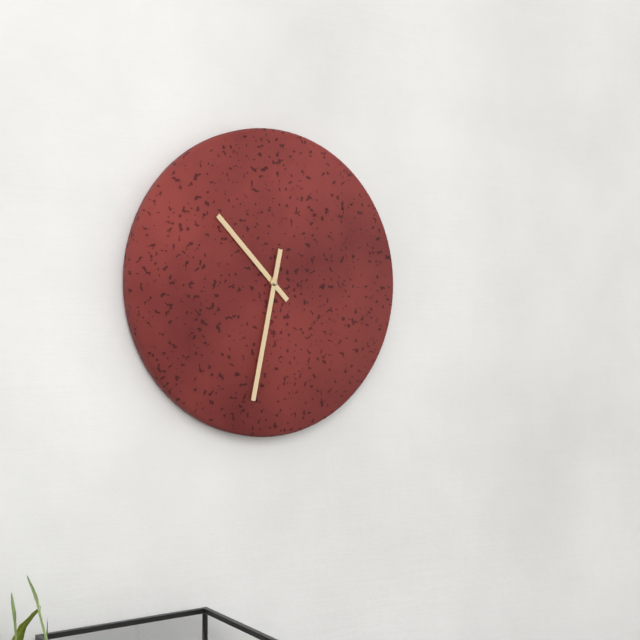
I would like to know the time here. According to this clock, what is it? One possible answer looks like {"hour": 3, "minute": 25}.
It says {"hour": 10, "minute": 32}
